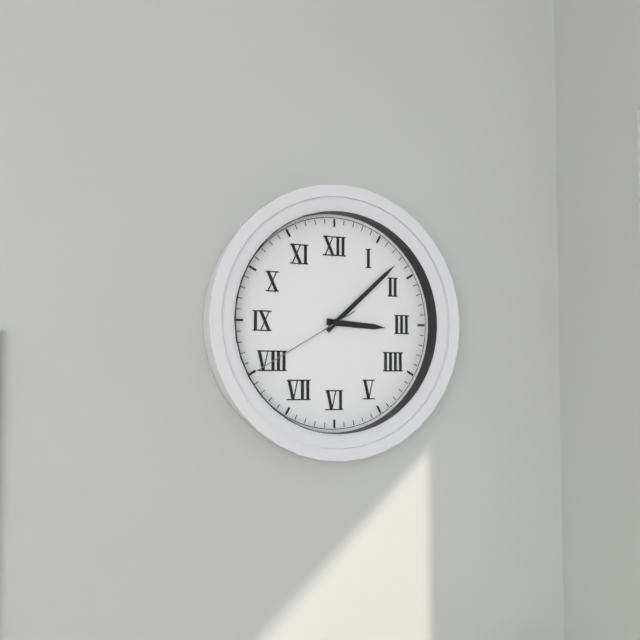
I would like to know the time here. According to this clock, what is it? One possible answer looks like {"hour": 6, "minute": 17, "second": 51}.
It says {"hour": 3, "minute": 8, "second": 40}
